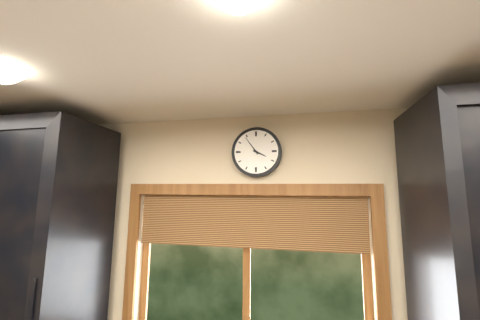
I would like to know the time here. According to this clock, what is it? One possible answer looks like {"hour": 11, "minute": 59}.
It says {"hour": 3, "minute": 54}
